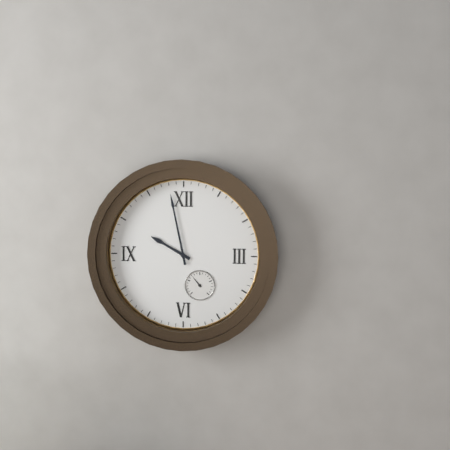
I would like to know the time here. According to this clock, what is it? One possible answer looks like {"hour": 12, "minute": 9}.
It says {"hour": 9, "minute": 58}
